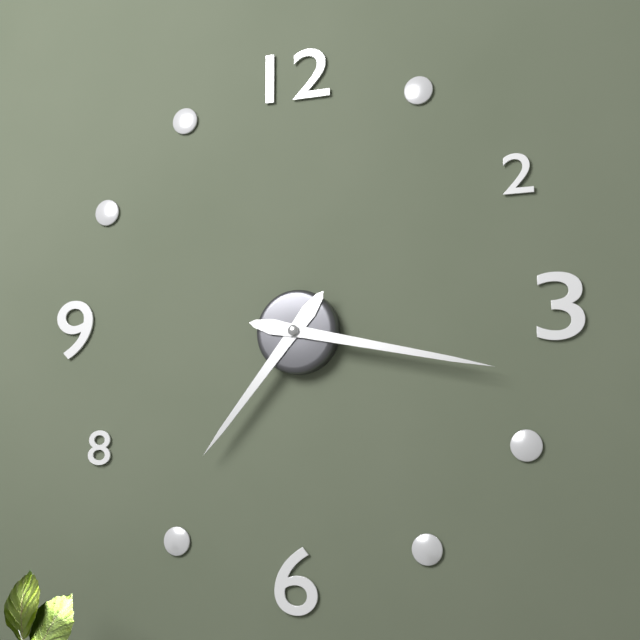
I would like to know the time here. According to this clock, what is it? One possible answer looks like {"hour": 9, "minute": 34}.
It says {"hour": 7, "minute": 17}
